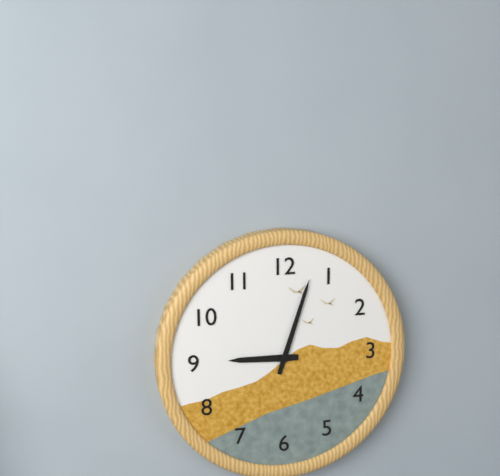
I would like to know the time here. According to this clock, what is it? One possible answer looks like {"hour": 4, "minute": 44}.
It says {"hour": 9, "minute": 3}
